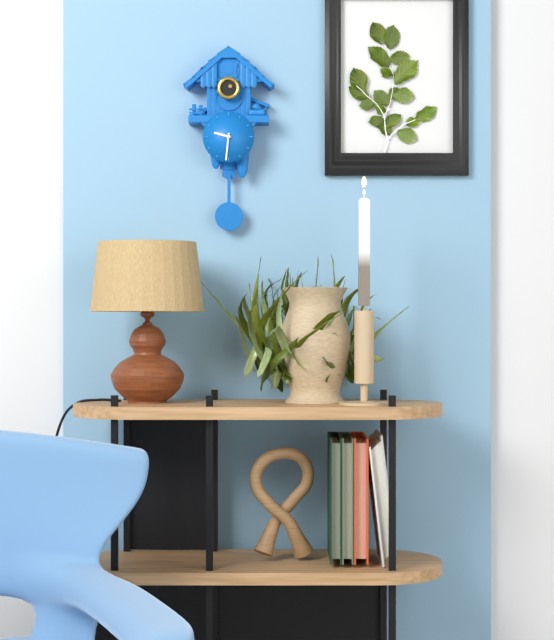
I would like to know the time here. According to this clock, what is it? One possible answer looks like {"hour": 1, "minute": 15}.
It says {"hour": 9, "minute": 31}
